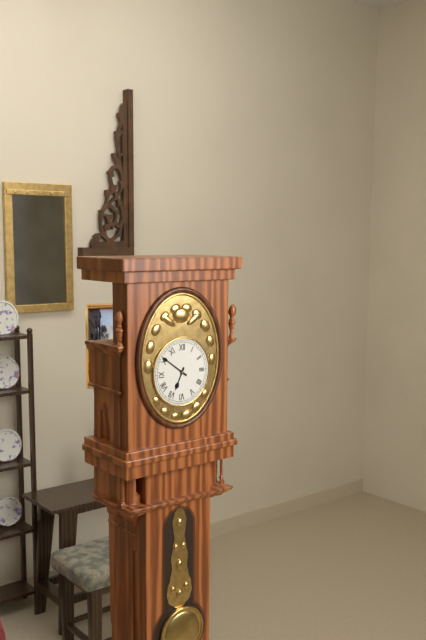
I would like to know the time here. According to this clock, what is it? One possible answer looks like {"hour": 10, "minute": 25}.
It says {"hour": 6, "minute": 51}
